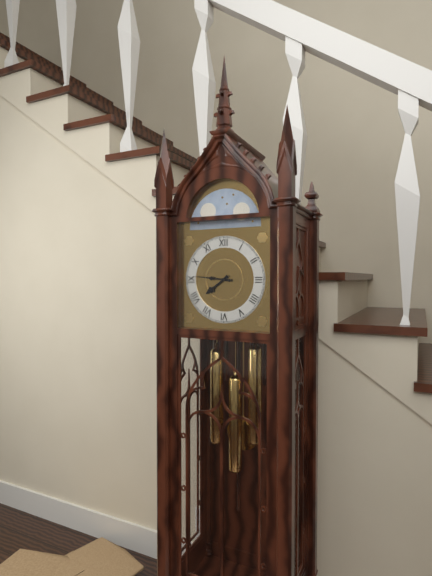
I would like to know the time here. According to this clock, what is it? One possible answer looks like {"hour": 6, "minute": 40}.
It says {"hour": 7, "minute": 46}
